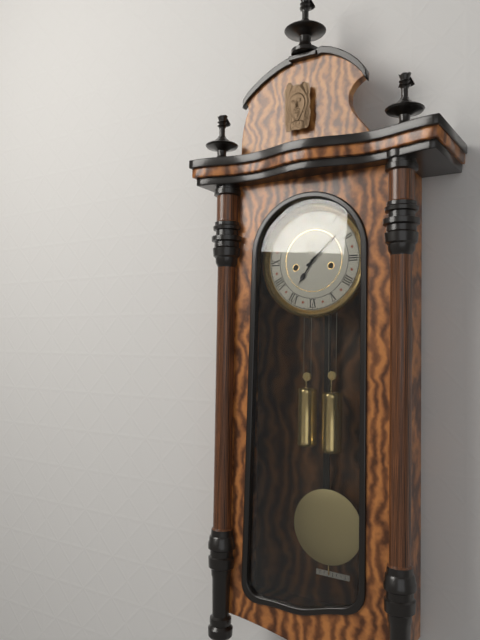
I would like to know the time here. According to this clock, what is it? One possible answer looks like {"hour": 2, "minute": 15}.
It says {"hour": 7, "minute": 8}
